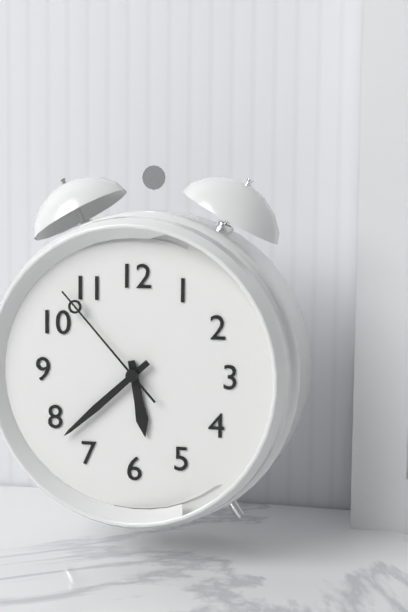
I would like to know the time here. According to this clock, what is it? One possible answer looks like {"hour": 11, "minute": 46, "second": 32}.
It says {"hour": 5, "minute": 38, "second": 53}
